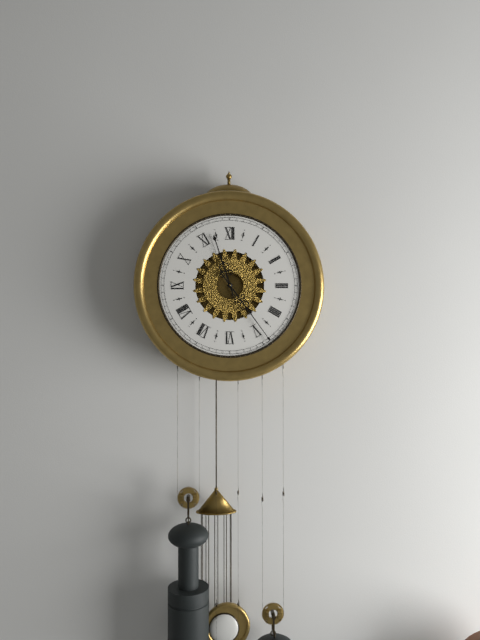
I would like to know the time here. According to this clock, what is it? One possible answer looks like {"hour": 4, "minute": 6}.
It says {"hour": 11, "minute": 24}
